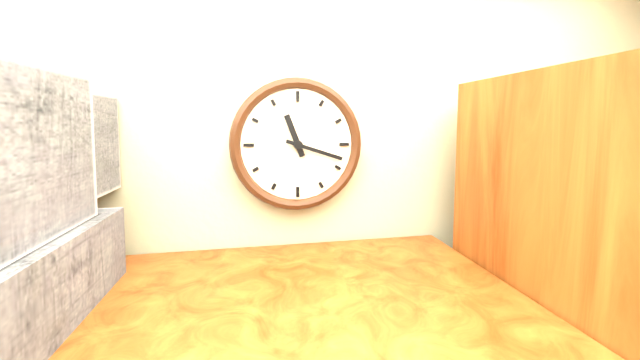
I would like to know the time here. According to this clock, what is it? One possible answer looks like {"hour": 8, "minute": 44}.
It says {"hour": 11, "minute": 18}
